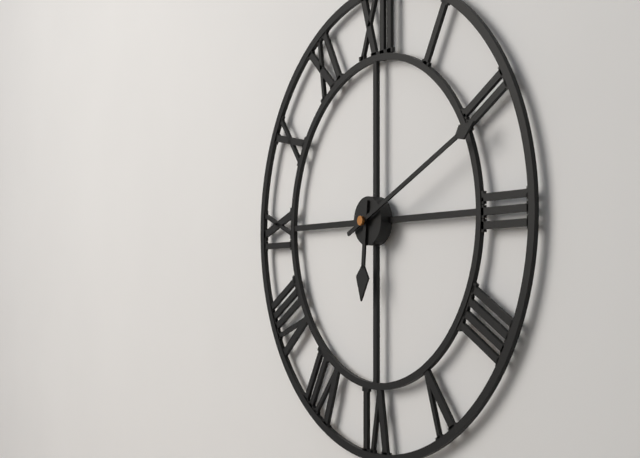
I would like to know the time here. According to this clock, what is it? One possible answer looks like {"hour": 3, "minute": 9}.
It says {"hour": 6, "minute": 11}
